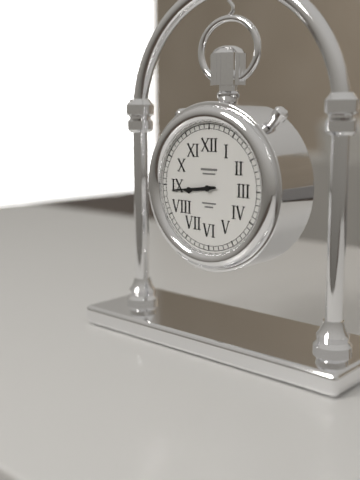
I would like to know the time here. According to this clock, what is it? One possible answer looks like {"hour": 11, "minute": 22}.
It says {"hour": 8, "minute": 44}
